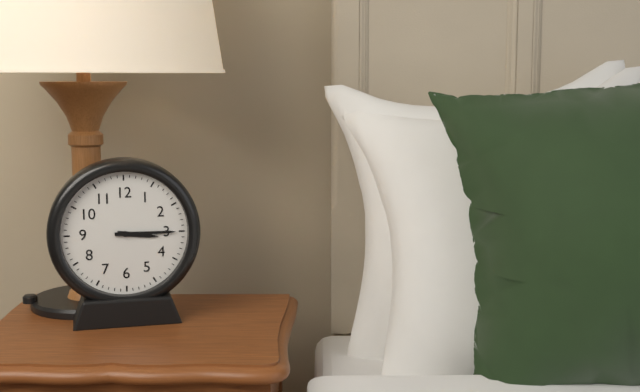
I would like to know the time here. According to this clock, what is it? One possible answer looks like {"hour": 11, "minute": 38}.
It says {"hour": 3, "minute": 15}
